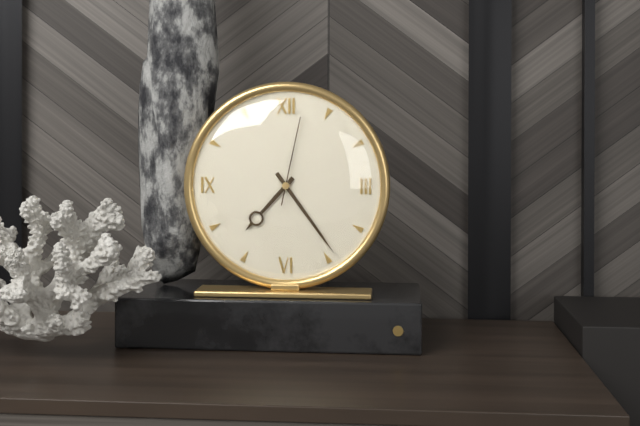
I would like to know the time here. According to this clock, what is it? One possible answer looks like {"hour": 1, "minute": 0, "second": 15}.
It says {"hour": 7, "minute": 24, "second": 2}
